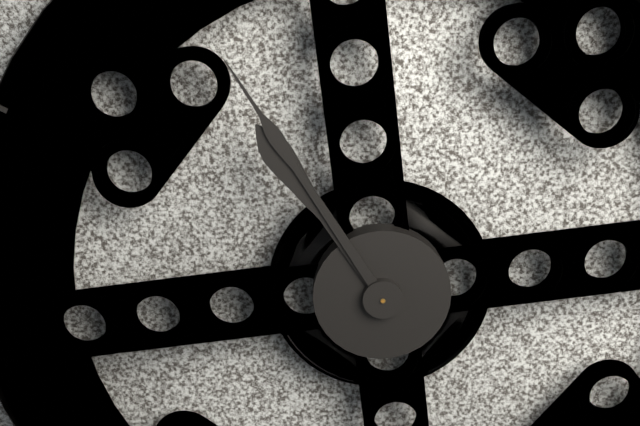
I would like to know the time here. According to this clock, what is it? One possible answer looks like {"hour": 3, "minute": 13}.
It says {"hour": 10, "minute": 55}
